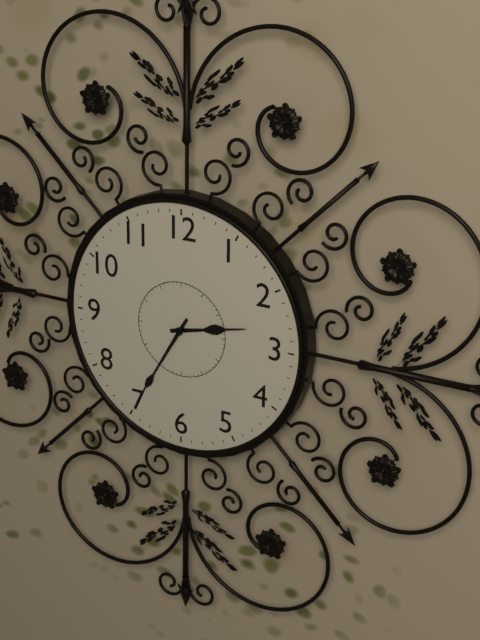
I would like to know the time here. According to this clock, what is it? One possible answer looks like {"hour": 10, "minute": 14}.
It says {"hour": 2, "minute": 35}
